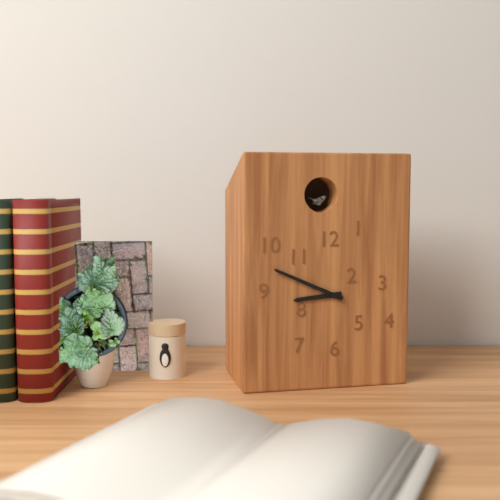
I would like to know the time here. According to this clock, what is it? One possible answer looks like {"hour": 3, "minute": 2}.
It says {"hour": 8, "minute": 49}
